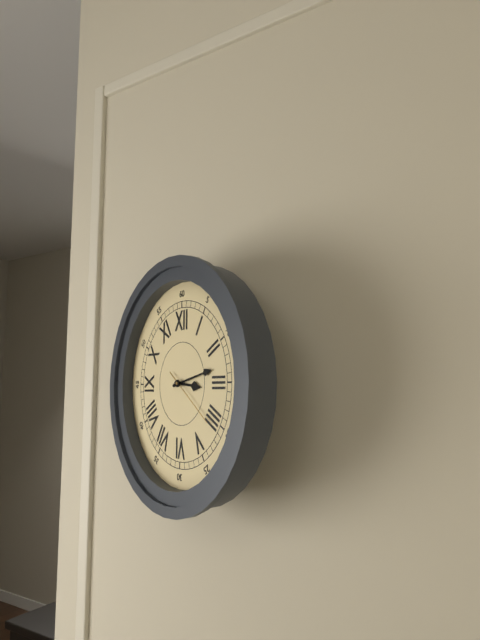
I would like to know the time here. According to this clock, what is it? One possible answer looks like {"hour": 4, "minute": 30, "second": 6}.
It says {"hour": 3, "minute": 13, "second": 21}
